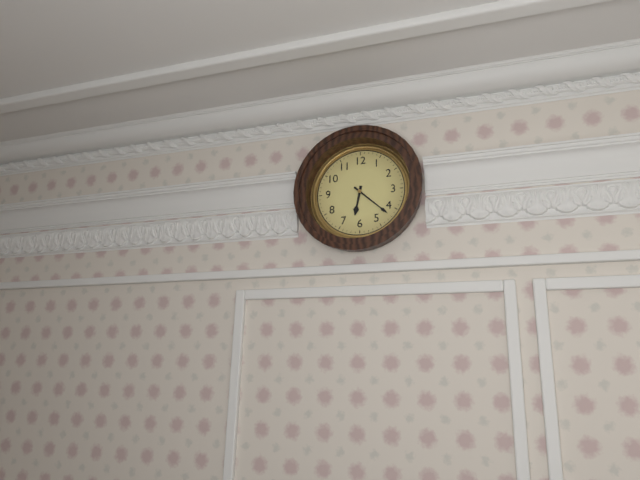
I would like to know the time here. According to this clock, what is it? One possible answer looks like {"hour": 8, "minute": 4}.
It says {"hour": 6, "minute": 22}
